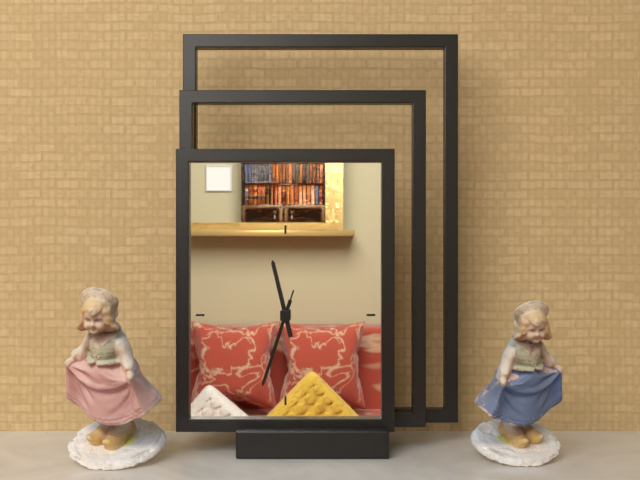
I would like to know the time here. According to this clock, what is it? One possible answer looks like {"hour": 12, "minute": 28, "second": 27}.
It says {"hour": 11, "minute": 33, "second": 33}
